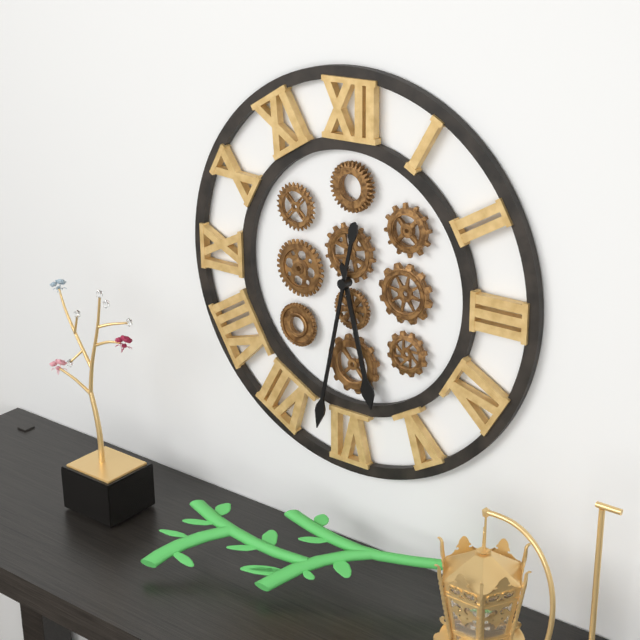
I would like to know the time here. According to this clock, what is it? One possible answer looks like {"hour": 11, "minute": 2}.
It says {"hour": 5, "minute": 32}
